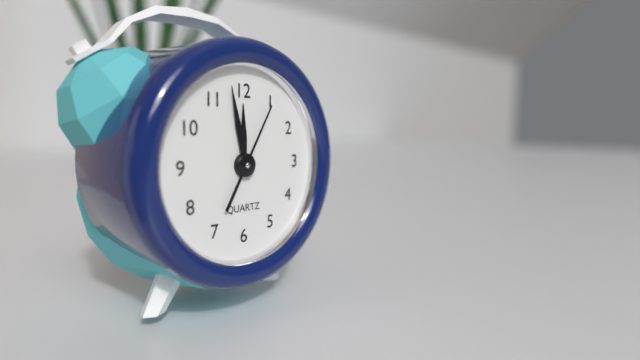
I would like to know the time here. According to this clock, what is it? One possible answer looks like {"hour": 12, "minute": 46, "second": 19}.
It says {"hour": 11, "minute": 58, "second": 5}
